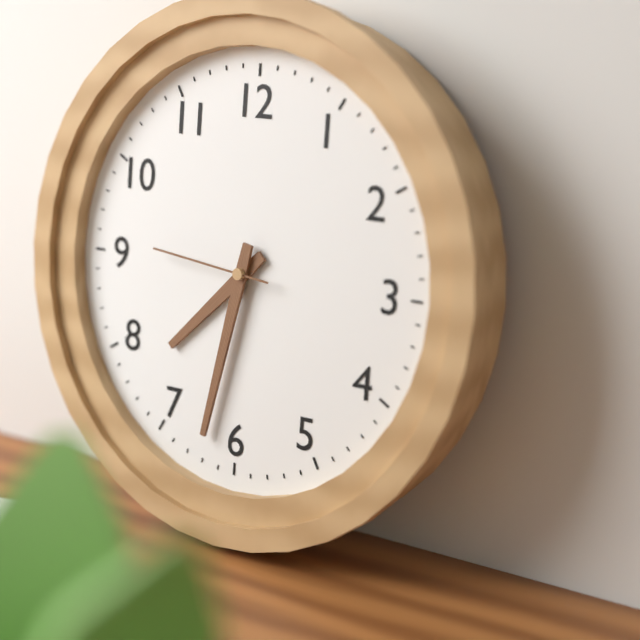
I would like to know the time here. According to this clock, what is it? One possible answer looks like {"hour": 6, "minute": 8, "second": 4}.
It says {"hour": 7, "minute": 32, "second": 46}
